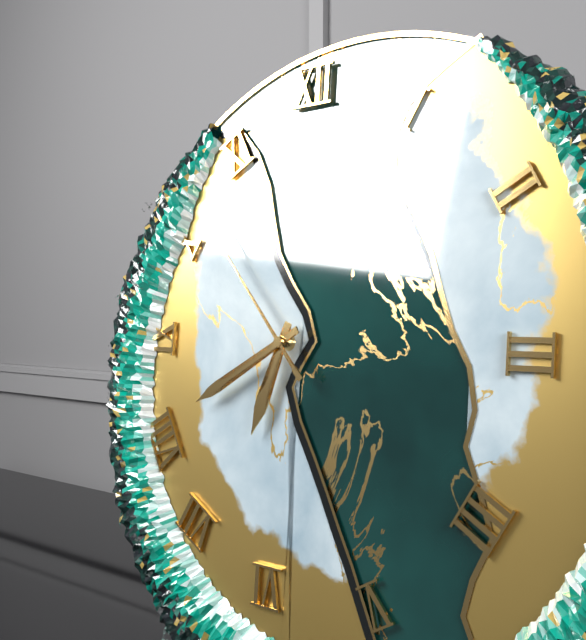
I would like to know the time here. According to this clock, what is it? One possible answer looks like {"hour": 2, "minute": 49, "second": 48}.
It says {"hour": 6, "minute": 40, "second": 53}
